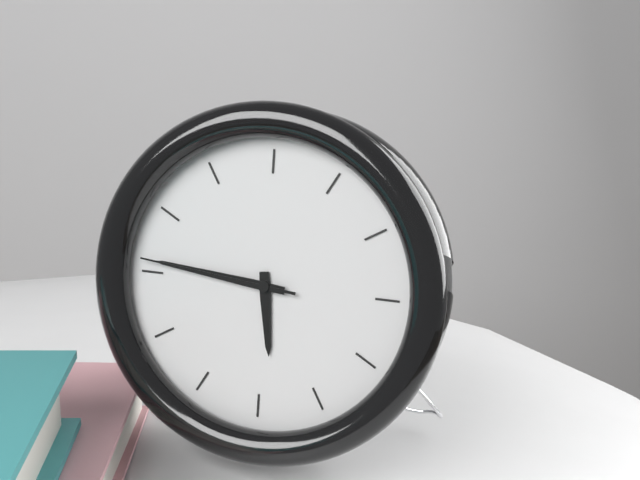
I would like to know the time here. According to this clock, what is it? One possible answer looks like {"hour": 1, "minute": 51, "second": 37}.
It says {"hour": 5, "minute": 46, "second": 46}
